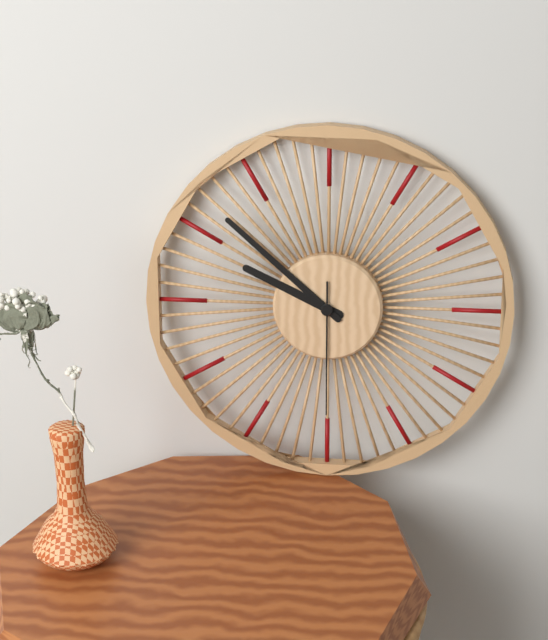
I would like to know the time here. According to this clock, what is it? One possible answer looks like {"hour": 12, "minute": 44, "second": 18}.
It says {"hour": 9, "minute": 52, "second": 30}
